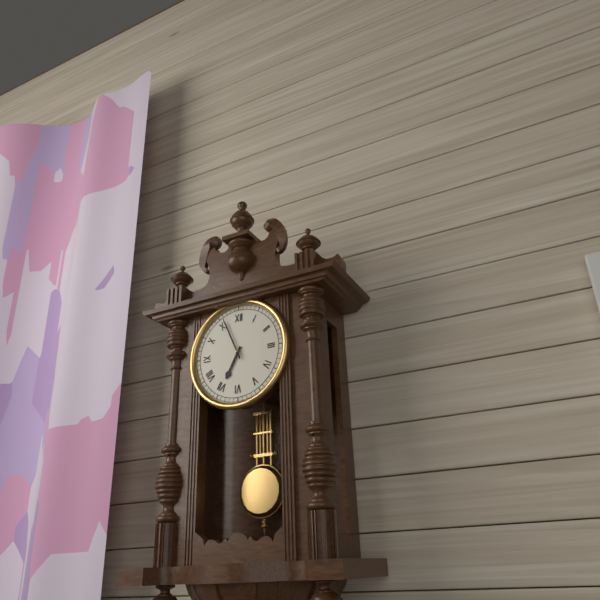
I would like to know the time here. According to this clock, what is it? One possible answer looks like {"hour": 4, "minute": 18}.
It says {"hour": 6, "minute": 56}
